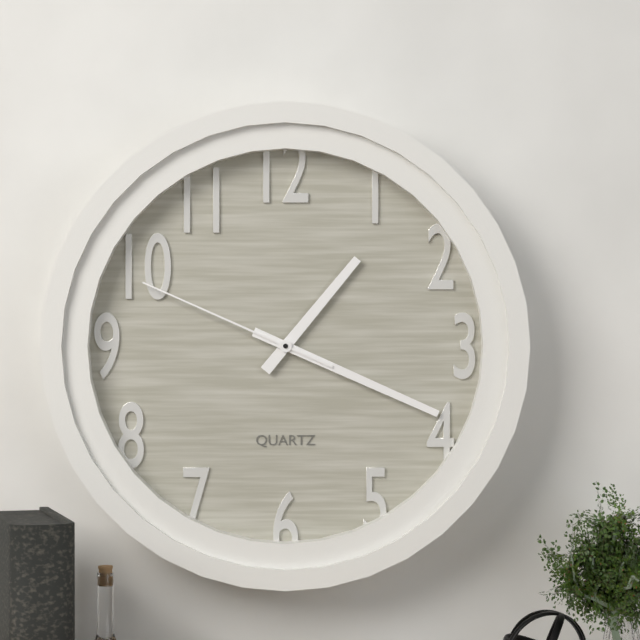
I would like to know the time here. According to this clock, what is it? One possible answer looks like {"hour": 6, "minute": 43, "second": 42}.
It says {"hour": 1, "minute": 19, "second": 49}
